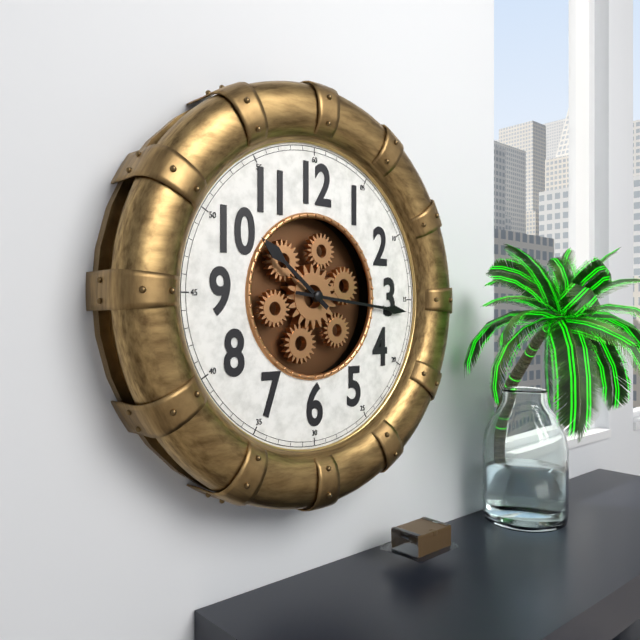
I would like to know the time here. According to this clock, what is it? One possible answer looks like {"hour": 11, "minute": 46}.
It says {"hour": 10, "minute": 16}
